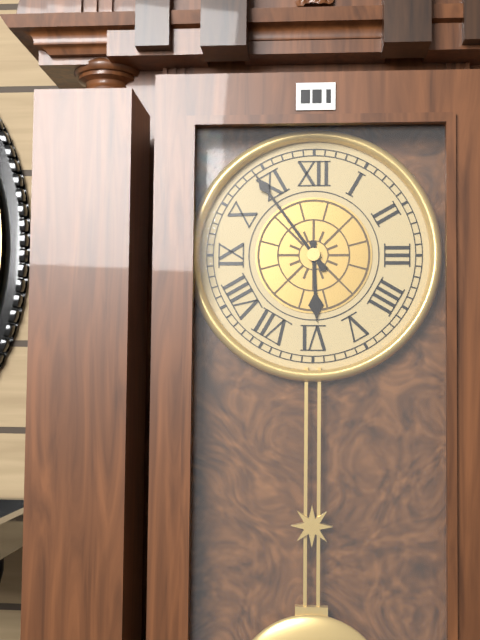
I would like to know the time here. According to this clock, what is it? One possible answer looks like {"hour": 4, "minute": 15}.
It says {"hour": 5, "minute": 54}
